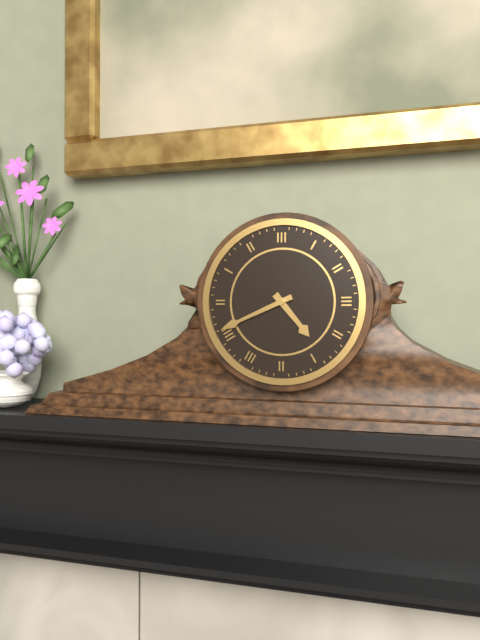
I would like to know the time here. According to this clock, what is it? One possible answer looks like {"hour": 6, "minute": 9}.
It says {"hour": 4, "minute": 41}
